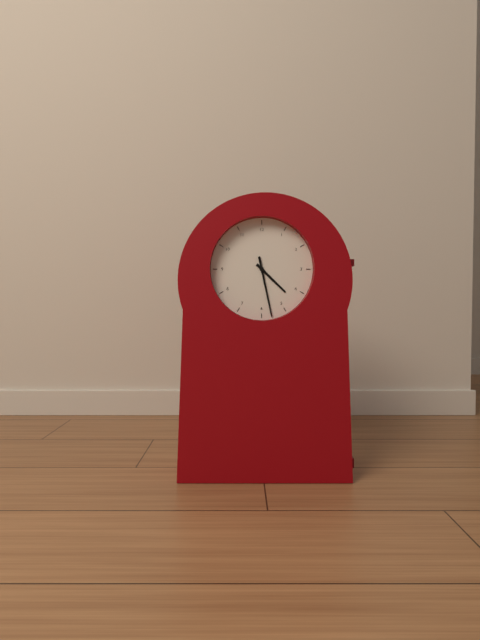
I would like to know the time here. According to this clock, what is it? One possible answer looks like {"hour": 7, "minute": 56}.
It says {"hour": 4, "minute": 28}
